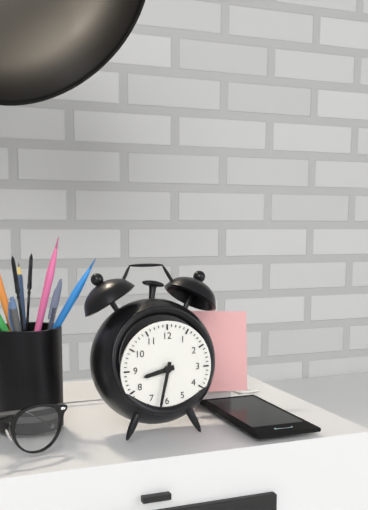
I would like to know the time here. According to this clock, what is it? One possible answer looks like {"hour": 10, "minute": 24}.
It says {"hour": 8, "minute": 32}
